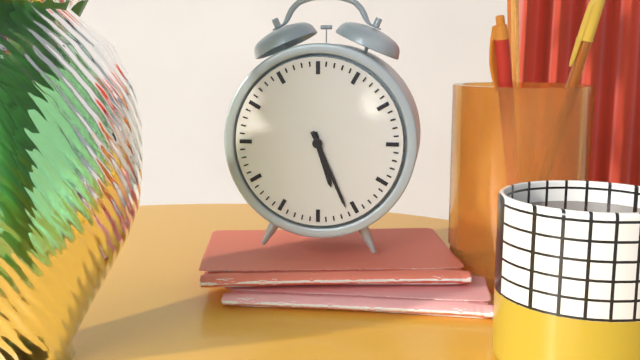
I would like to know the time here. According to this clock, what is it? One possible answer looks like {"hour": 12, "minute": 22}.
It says {"hour": 5, "minute": 26}
